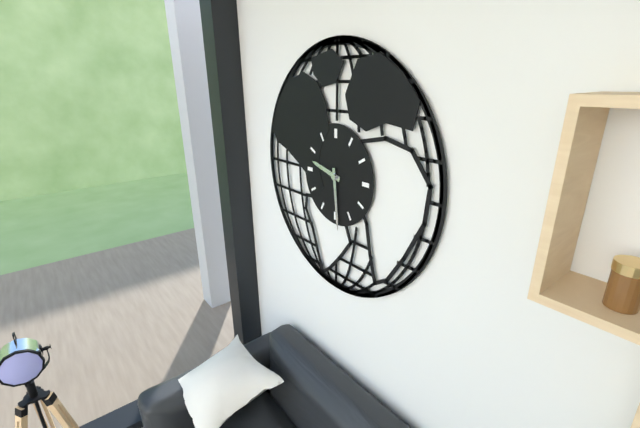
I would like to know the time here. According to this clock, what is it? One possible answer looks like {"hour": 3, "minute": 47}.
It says {"hour": 9, "minute": 29}
